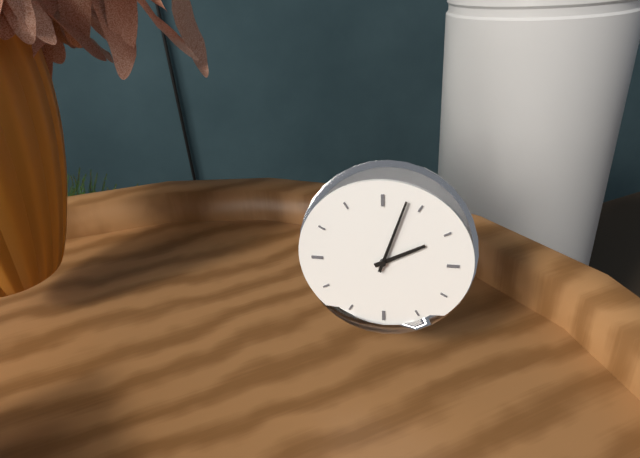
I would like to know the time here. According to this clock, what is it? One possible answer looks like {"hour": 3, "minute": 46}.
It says {"hour": 2, "minute": 3}
